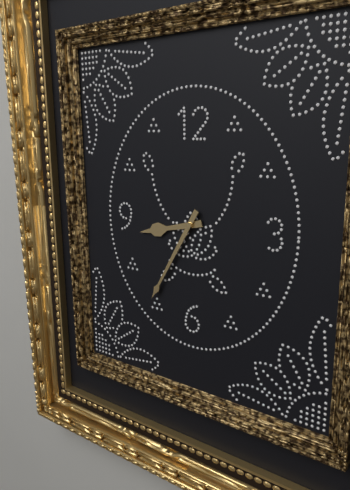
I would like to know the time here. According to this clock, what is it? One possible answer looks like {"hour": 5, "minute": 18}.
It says {"hour": 8, "minute": 35}
